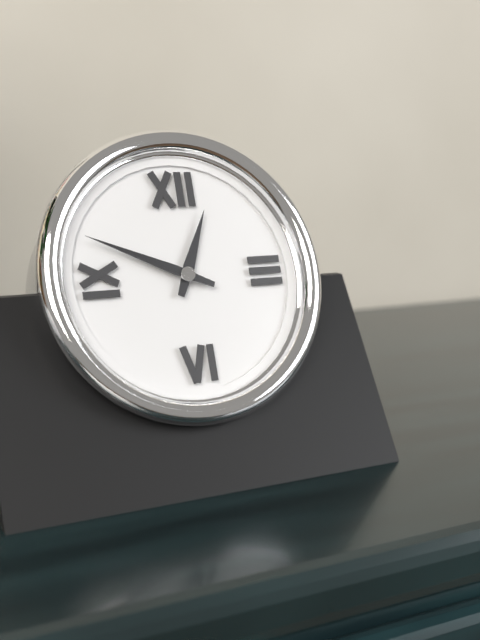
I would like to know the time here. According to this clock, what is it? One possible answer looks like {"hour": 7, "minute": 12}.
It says {"hour": 12, "minute": 49}
